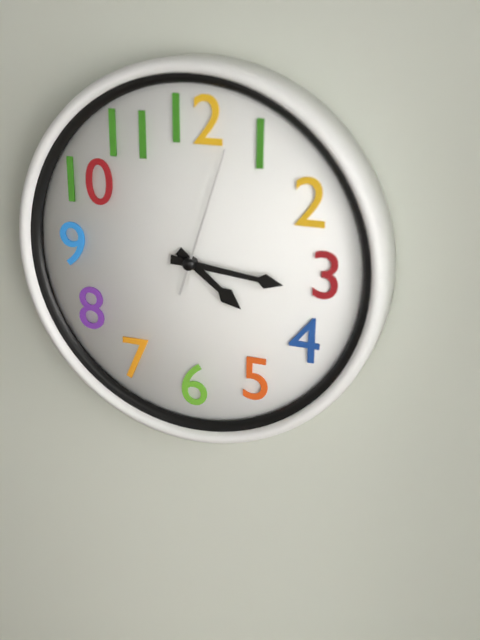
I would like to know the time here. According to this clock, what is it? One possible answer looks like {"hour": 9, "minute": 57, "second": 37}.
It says {"hour": 4, "minute": 16, "second": 3}
